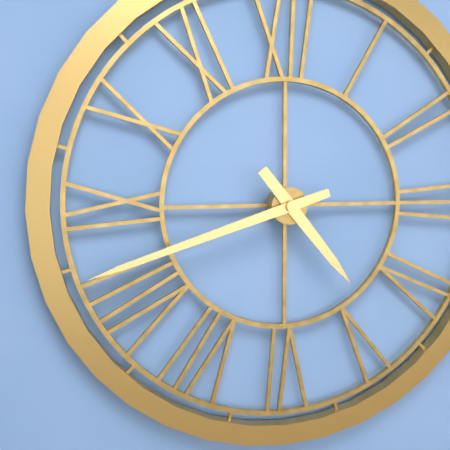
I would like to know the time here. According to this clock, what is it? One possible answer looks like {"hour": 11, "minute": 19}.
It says {"hour": 4, "minute": 42}
